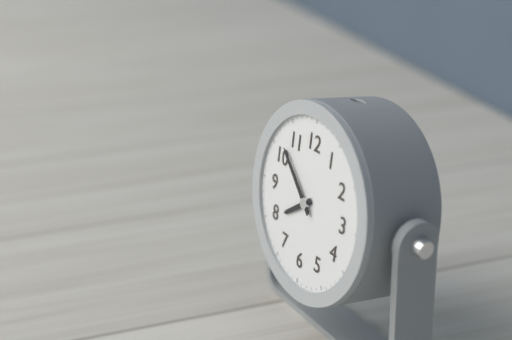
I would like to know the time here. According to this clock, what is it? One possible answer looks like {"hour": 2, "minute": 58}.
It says {"hour": 7, "minute": 52}
